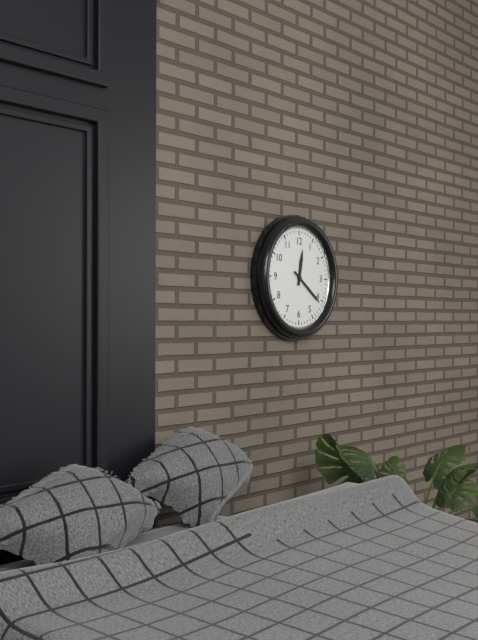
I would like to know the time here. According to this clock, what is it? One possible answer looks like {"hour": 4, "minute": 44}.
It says {"hour": 12, "minute": 21}
